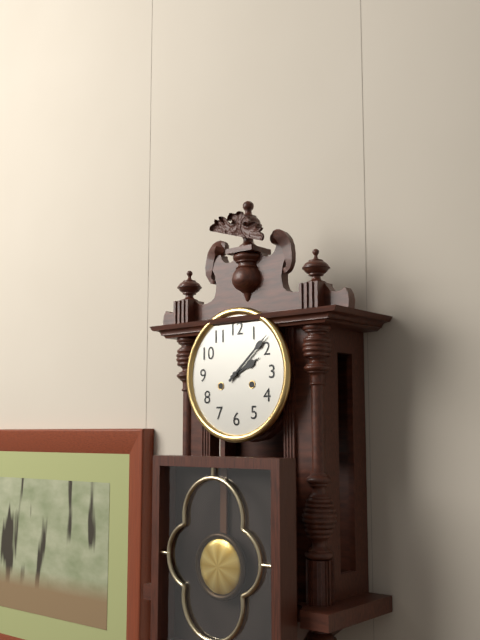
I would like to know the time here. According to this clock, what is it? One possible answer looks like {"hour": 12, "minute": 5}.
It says {"hour": 2, "minute": 8}
